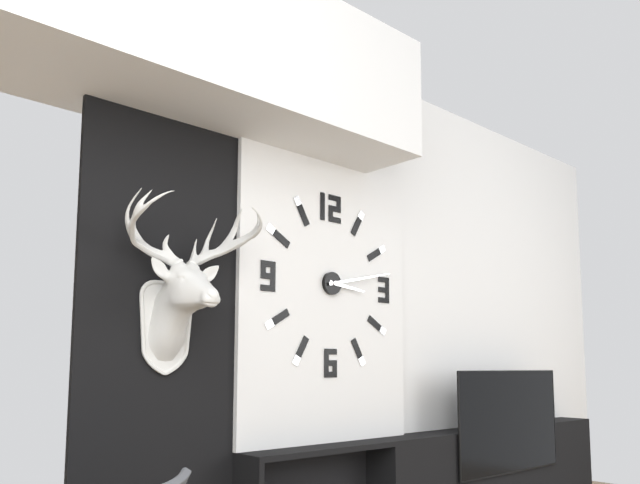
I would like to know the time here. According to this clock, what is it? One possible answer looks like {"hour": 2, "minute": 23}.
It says {"hour": 3, "minute": 13}
